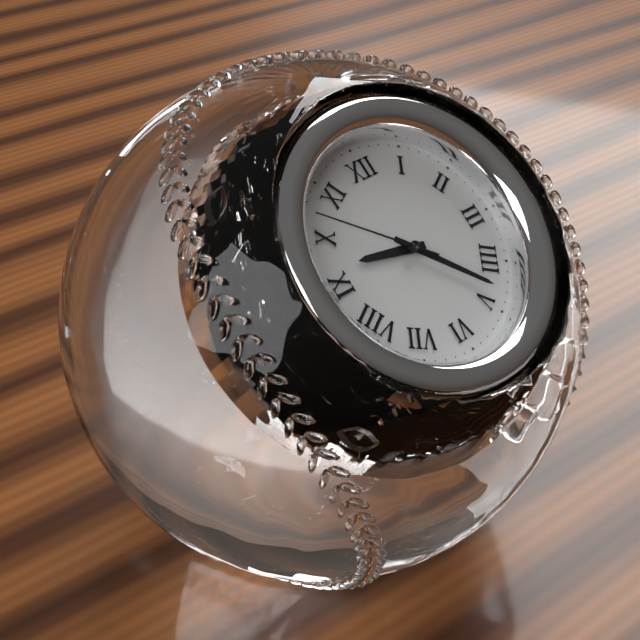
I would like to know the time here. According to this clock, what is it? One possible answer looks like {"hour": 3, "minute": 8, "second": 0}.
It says {"hour": 9, "minute": 23, "second": 52}
